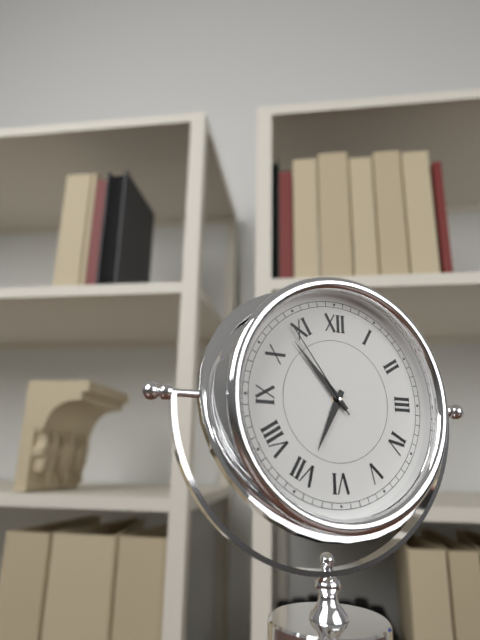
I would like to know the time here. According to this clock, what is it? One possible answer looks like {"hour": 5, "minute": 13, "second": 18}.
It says {"hour": 6, "minute": 53, "second": 54}
